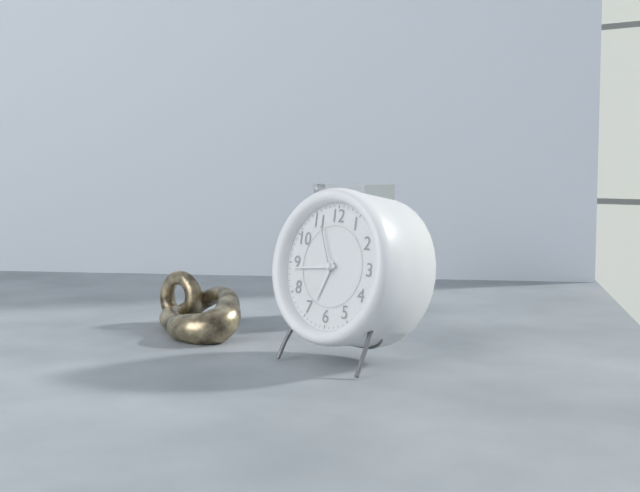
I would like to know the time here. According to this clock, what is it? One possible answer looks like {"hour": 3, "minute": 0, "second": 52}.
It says {"hour": 6, "minute": 44, "second": 56}
